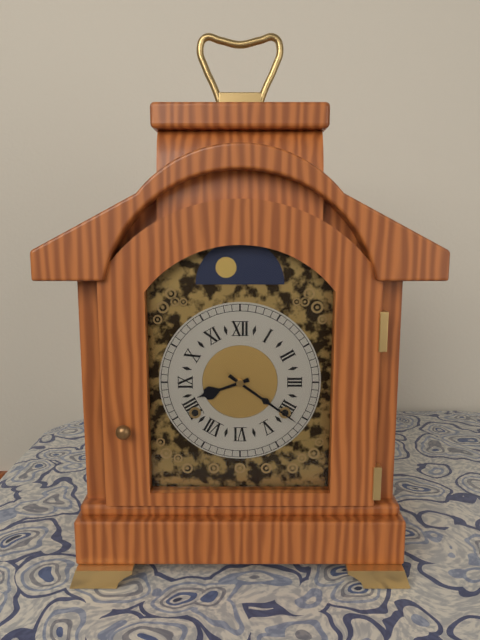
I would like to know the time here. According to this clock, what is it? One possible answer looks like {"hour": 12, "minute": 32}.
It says {"hour": 8, "minute": 21}
